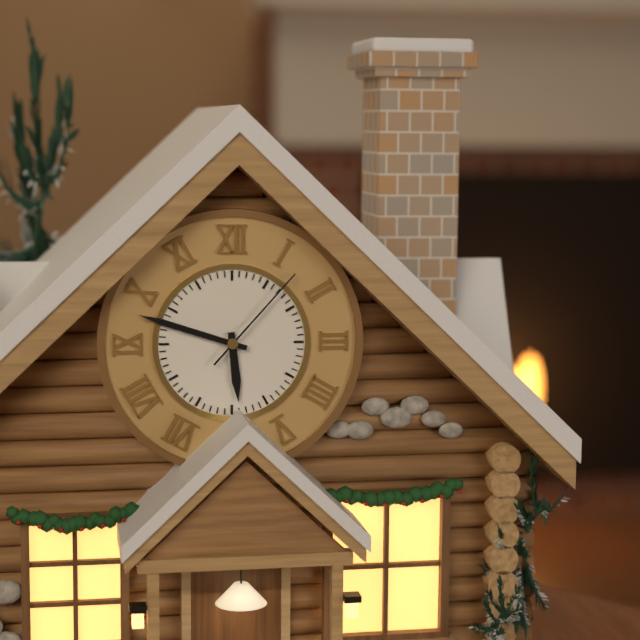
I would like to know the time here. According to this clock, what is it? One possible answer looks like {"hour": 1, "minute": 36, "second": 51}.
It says {"hour": 5, "minute": 48, "second": 7}
